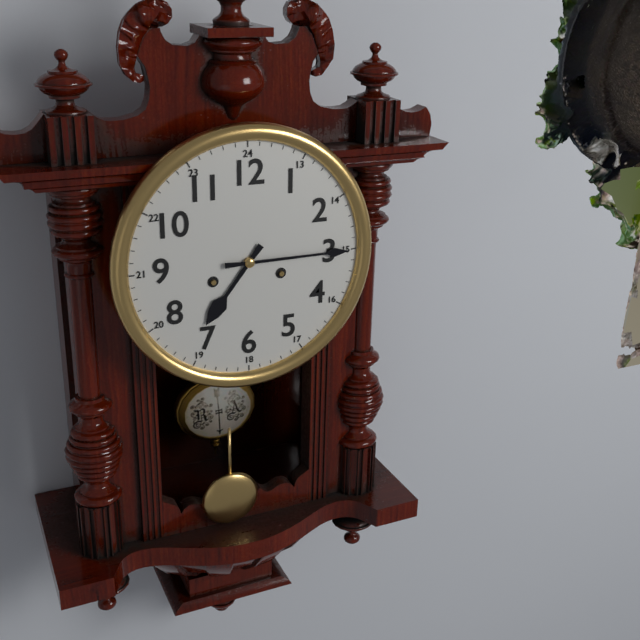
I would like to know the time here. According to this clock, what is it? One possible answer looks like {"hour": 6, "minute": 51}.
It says {"hour": 7, "minute": 15}
